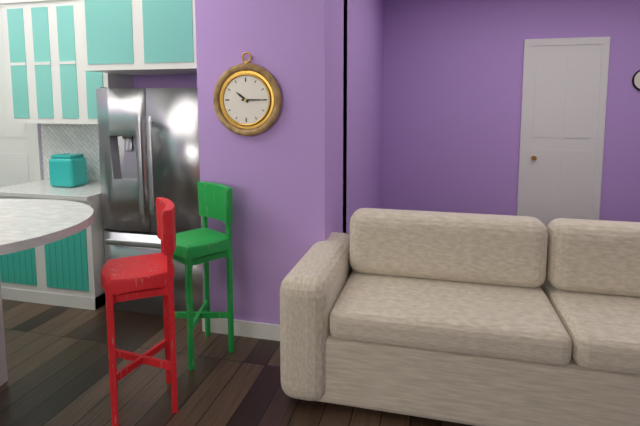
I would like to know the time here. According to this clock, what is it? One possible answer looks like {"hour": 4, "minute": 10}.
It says {"hour": 10, "minute": 15}
